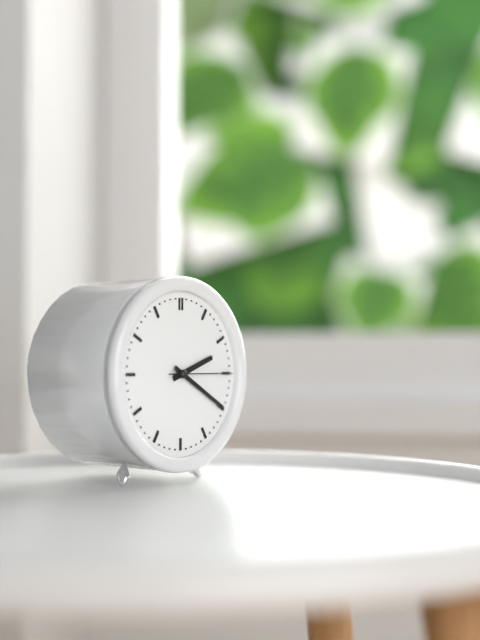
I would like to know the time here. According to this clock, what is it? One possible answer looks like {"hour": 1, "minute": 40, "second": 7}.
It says {"hour": 2, "minute": 20, "second": 15}
